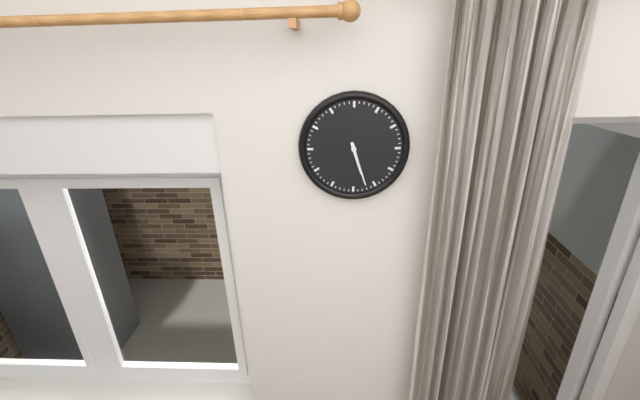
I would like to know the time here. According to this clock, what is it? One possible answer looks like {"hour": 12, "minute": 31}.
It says {"hour": 5, "minute": 27}
